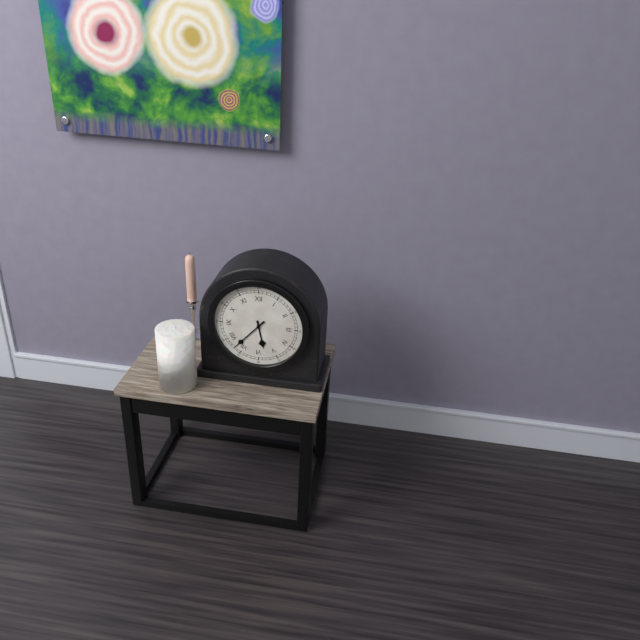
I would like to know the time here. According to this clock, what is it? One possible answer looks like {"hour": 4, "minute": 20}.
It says {"hour": 5, "minute": 37}
